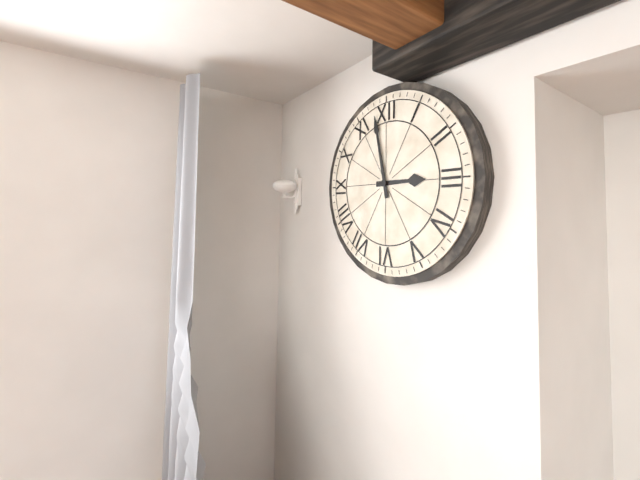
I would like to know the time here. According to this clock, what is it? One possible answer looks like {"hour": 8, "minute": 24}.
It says {"hour": 2, "minute": 58}
